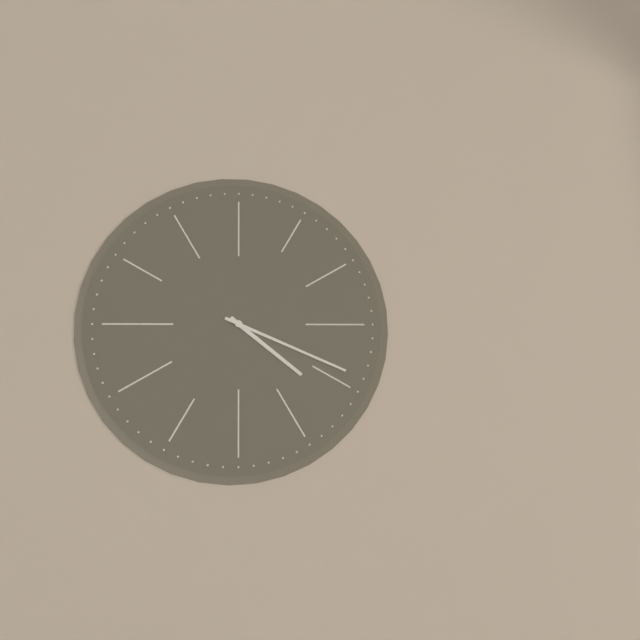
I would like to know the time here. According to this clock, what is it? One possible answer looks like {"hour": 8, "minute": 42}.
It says {"hour": 4, "minute": 19}
